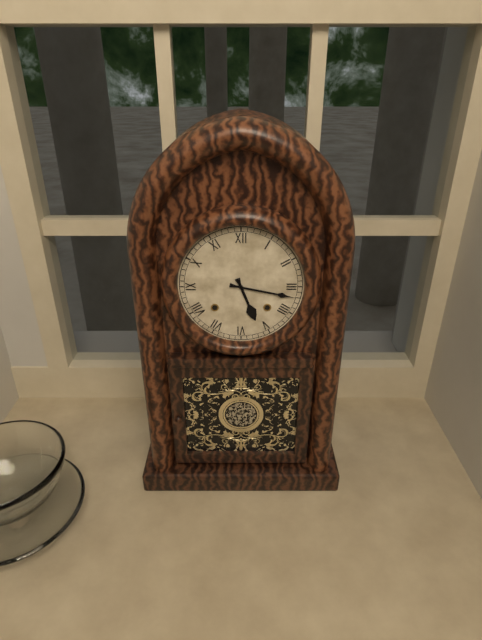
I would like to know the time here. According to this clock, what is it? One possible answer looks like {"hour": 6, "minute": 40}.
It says {"hour": 5, "minute": 17}
